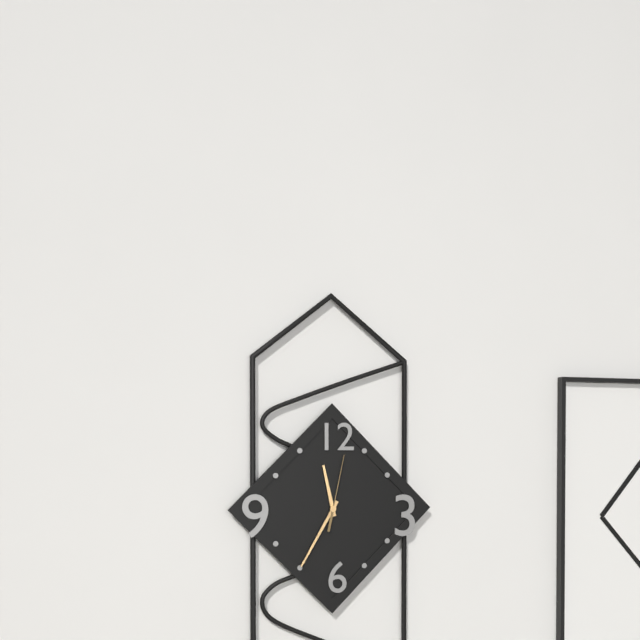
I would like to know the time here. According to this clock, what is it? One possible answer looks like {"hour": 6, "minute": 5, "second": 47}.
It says {"hour": 11, "minute": 35, "second": 2}
